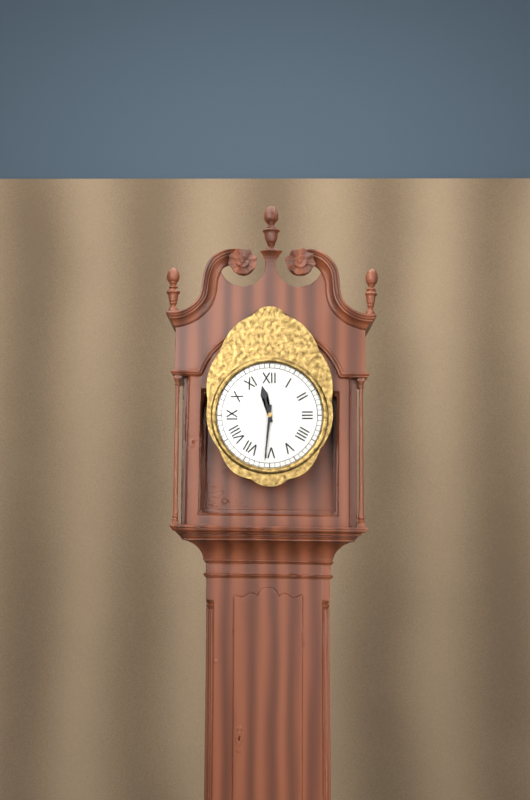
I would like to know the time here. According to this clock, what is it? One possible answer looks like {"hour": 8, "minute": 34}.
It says {"hour": 11, "minute": 31}
